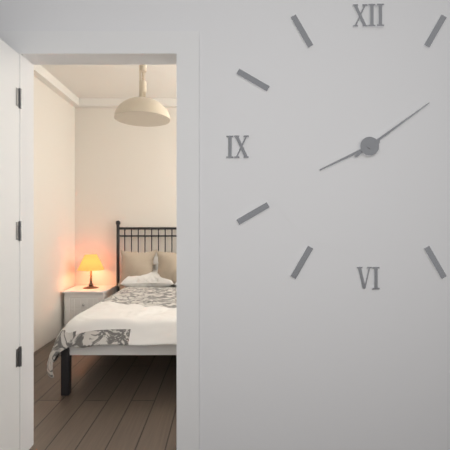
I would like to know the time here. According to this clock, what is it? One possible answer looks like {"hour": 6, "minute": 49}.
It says {"hour": 8, "minute": 9}
